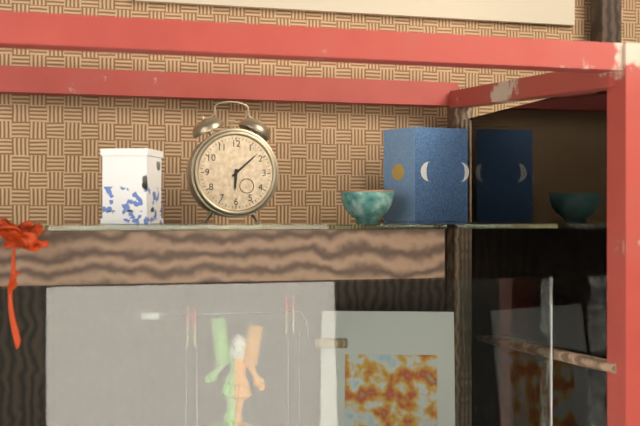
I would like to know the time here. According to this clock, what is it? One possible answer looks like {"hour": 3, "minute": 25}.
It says {"hour": 6, "minute": 8}
